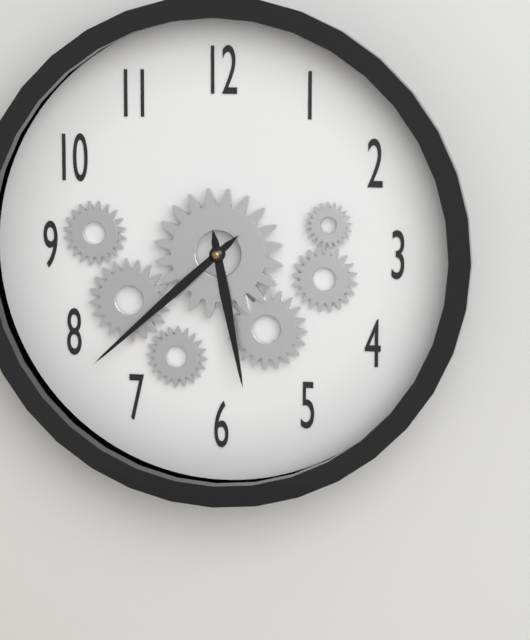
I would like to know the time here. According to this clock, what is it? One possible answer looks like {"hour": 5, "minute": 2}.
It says {"hour": 5, "minute": 38}
